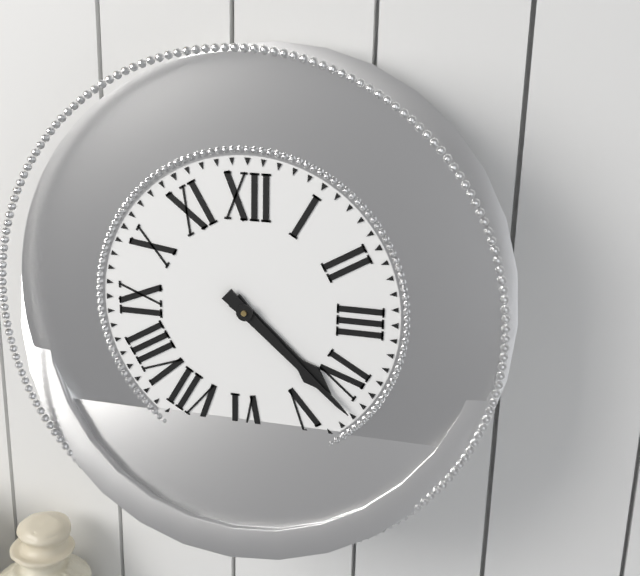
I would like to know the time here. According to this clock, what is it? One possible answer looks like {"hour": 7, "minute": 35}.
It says {"hour": 4, "minute": 22}
